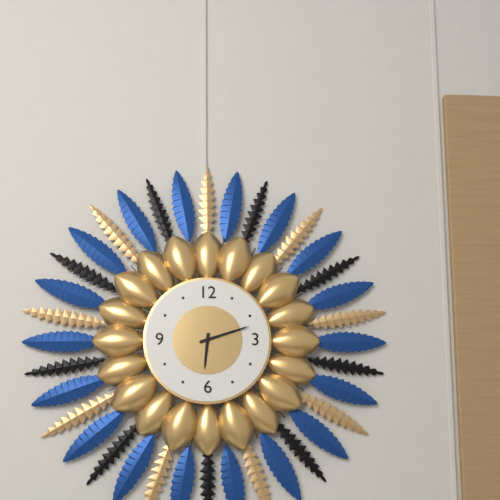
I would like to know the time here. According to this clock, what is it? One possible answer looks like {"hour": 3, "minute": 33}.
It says {"hour": 6, "minute": 12}
